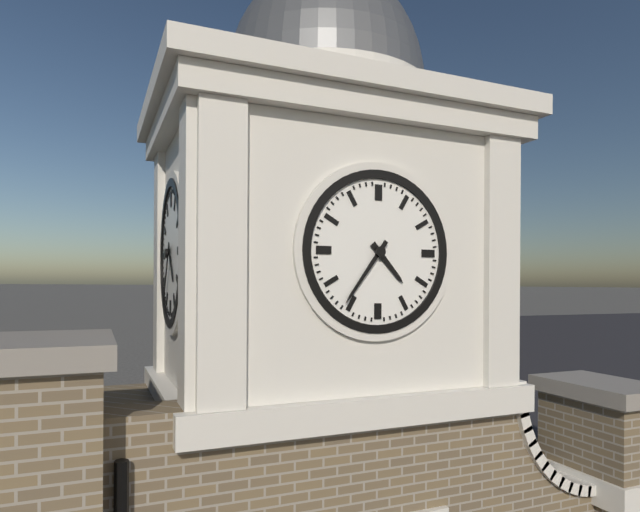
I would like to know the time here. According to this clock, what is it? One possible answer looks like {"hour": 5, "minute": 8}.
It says {"hour": 4, "minute": 36}
